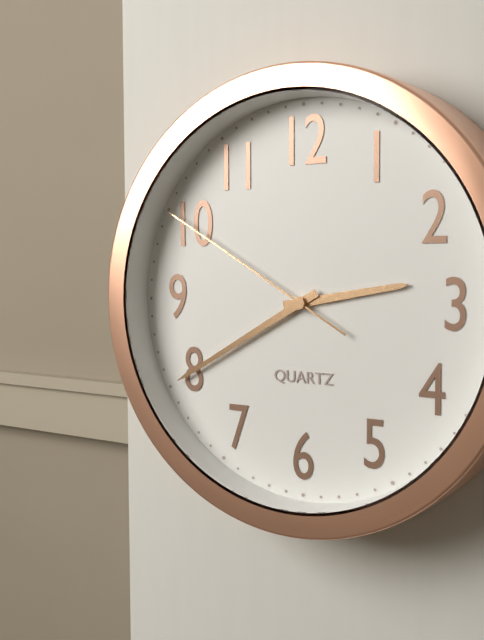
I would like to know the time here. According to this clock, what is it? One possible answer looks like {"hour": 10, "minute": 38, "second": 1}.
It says {"hour": 2, "minute": 40, "second": 50}
